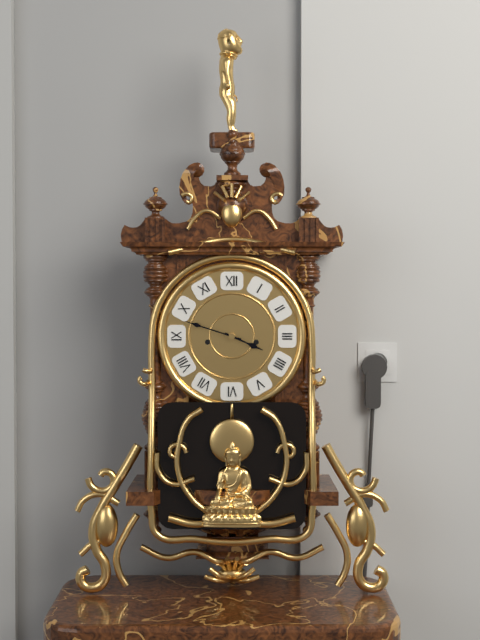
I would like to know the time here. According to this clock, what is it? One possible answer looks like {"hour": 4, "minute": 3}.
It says {"hour": 3, "minute": 48}
